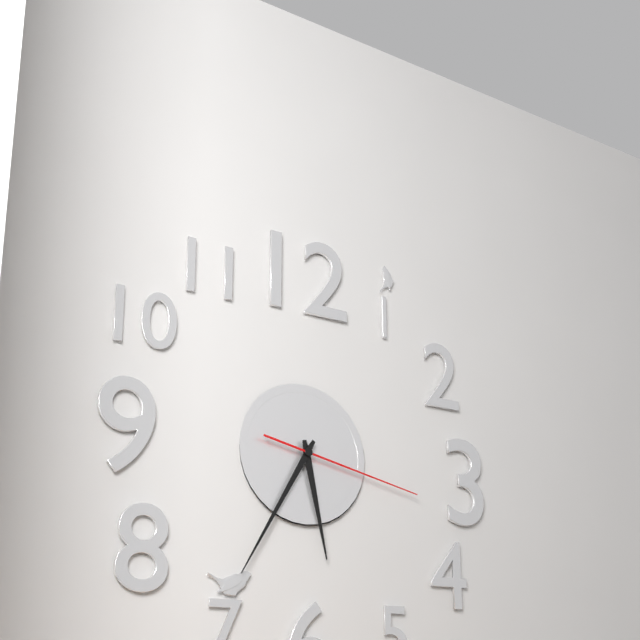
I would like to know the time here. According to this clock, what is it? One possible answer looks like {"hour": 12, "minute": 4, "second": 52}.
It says {"hour": 5, "minute": 35, "second": 17}
